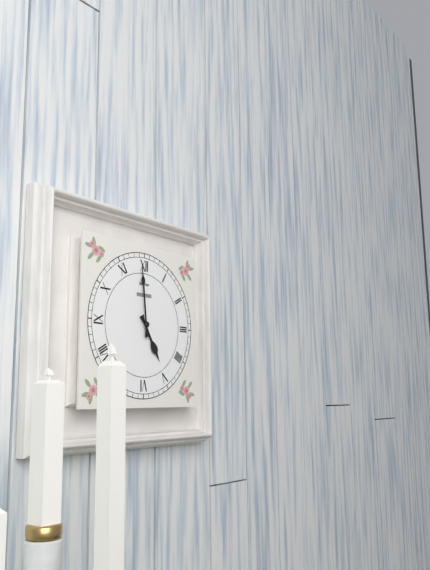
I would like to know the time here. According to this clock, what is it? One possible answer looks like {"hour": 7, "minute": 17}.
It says {"hour": 4, "minute": 59}
